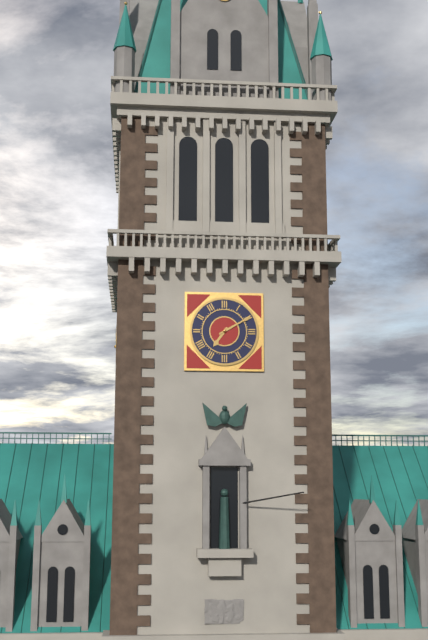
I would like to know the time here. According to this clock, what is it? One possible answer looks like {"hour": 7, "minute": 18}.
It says {"hour": 7, "minute": 10}
